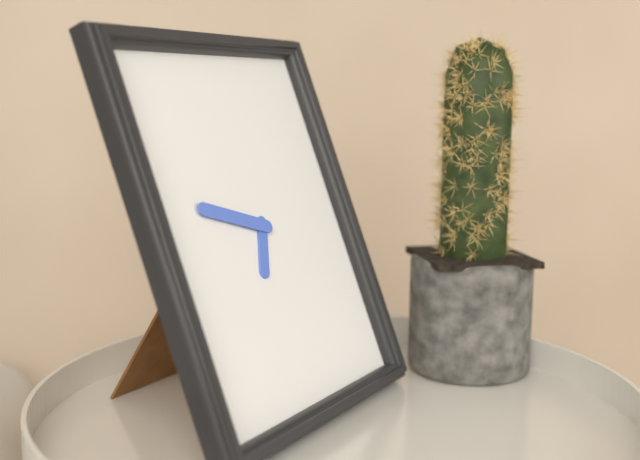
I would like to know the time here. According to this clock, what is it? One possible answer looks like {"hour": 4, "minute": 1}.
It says {"hour": 6, "minute": 48}
